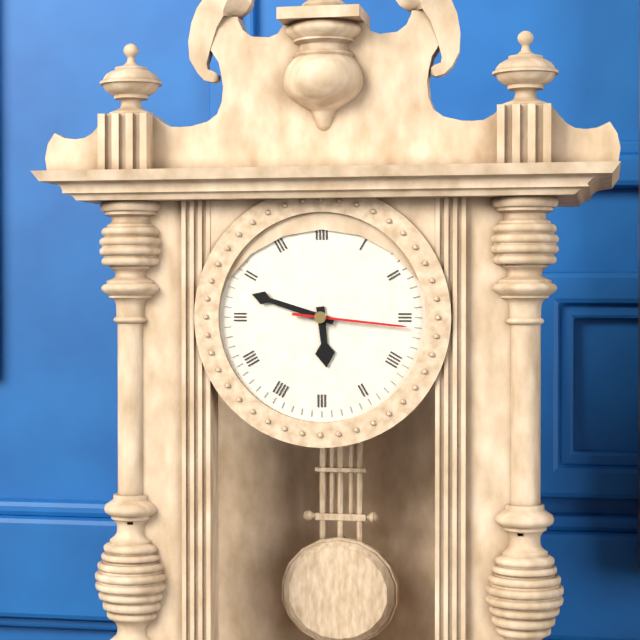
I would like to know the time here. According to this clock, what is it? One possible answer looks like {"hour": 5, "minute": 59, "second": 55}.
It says {"hour": 5, "minute": 48, "second": 16}
